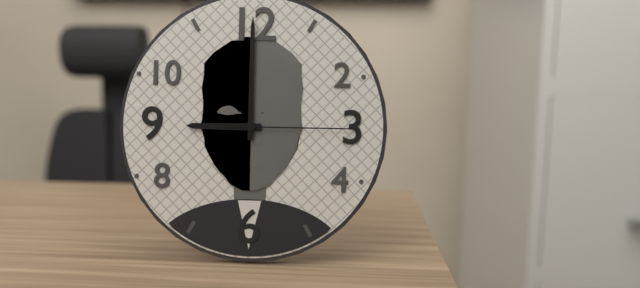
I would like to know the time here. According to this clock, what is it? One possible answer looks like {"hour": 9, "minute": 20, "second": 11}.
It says {"hour": 9, "minute": 0, "second": 15}
